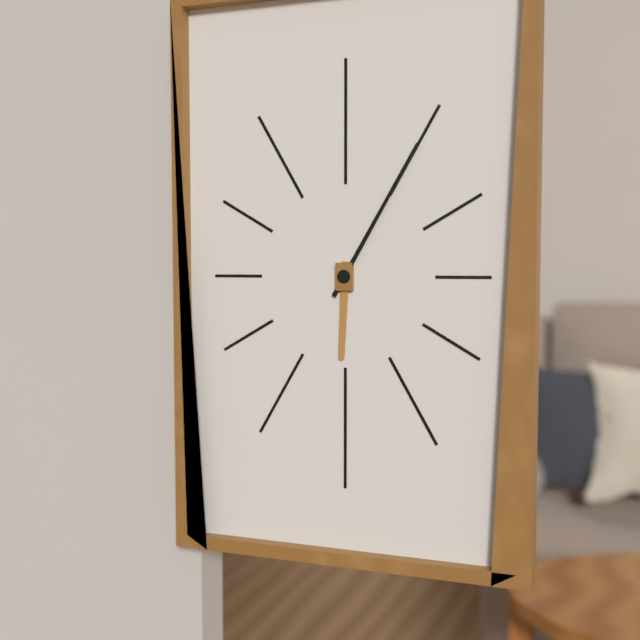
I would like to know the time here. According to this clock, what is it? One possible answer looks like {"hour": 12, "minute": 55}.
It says {"hour": 6, "minute": 5}
